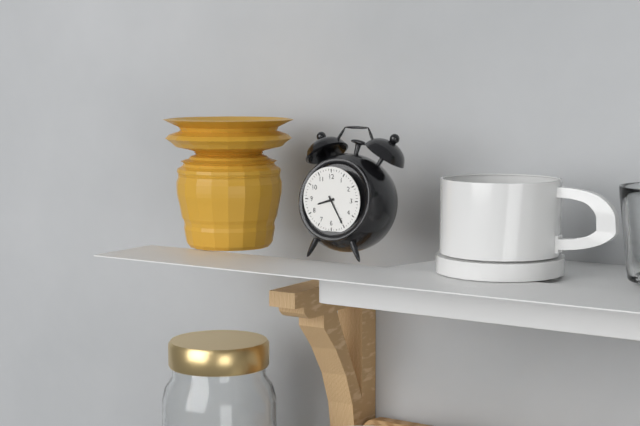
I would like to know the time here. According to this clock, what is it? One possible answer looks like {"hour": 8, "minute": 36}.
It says {"hour": 8, "minute": 25}
